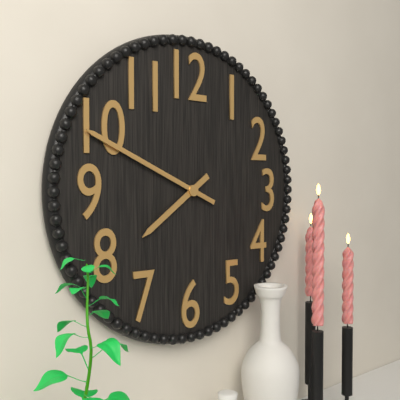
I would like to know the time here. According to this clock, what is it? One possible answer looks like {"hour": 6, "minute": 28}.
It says {"hour": 7, "minute": 49}
